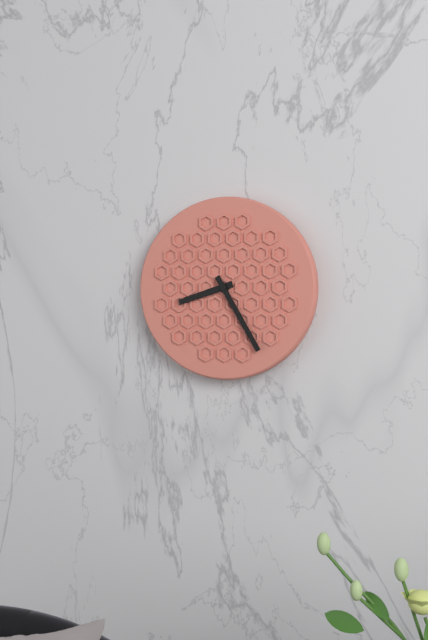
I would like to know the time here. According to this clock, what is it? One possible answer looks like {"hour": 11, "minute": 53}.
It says {"hour": 8, "minute": 25}
